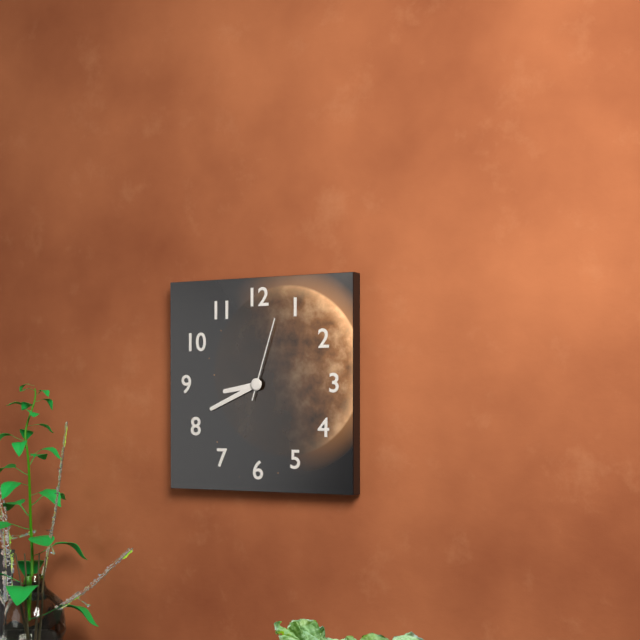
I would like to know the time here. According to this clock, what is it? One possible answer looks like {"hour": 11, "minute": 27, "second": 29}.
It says {"hour": 8, "minute": 41, "second": 3}
